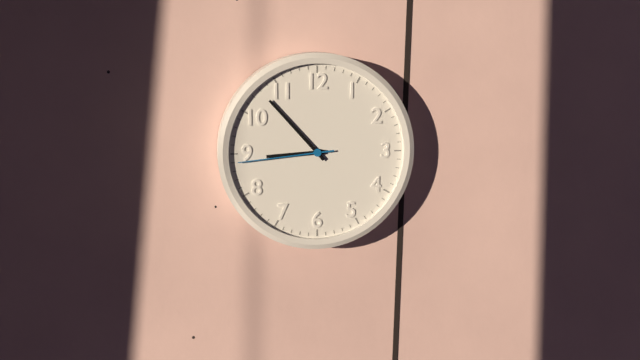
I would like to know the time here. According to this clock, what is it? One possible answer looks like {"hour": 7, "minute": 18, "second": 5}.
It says {"hour": 8, "minute": 53, "second": 44}
